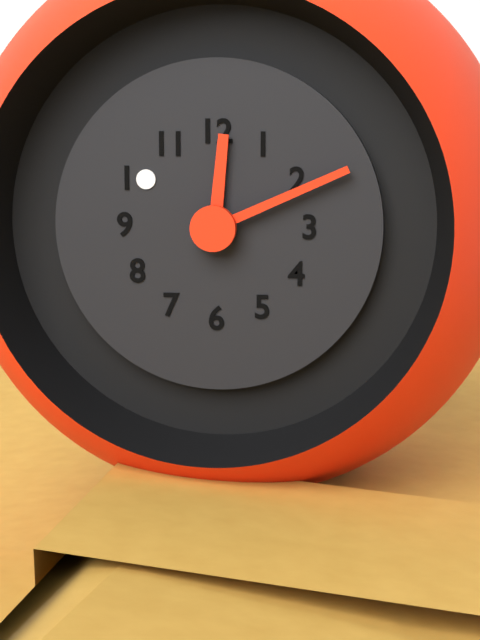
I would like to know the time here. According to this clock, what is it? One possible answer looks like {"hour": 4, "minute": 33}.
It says {"hour": 12, "minute": 11}
